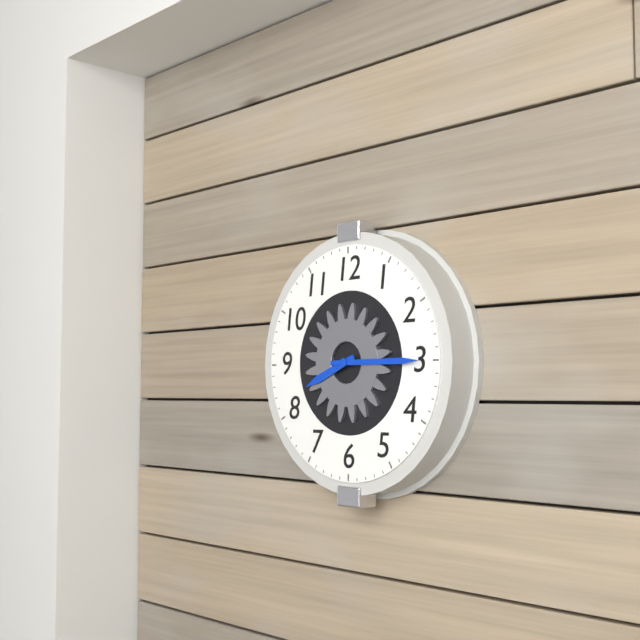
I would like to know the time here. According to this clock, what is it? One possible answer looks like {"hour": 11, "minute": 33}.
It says {"hour": 8, "minute": 15}
